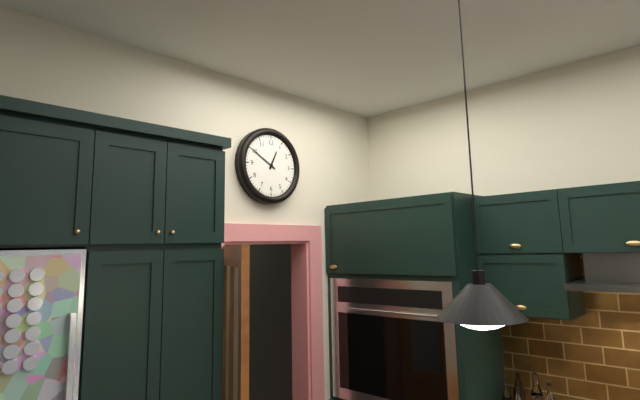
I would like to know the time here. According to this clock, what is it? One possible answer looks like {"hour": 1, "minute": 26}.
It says {"hour": 12, "minute": 50}
